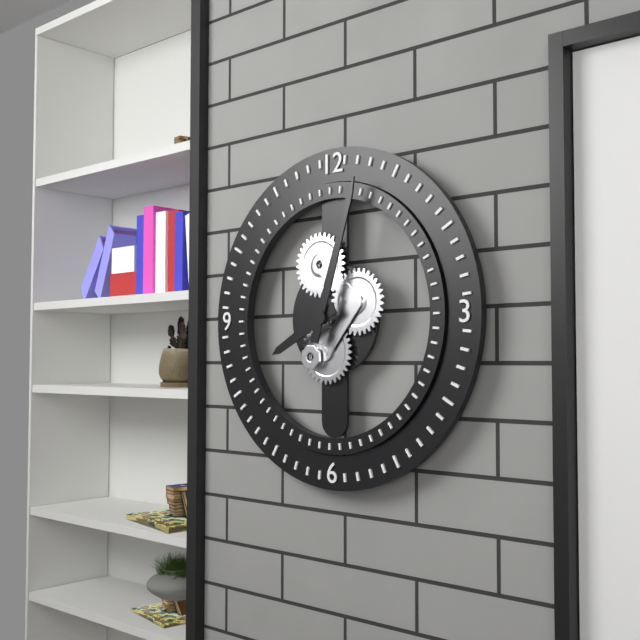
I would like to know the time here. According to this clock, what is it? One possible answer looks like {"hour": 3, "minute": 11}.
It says {"hour": 8, "minute": 3}
